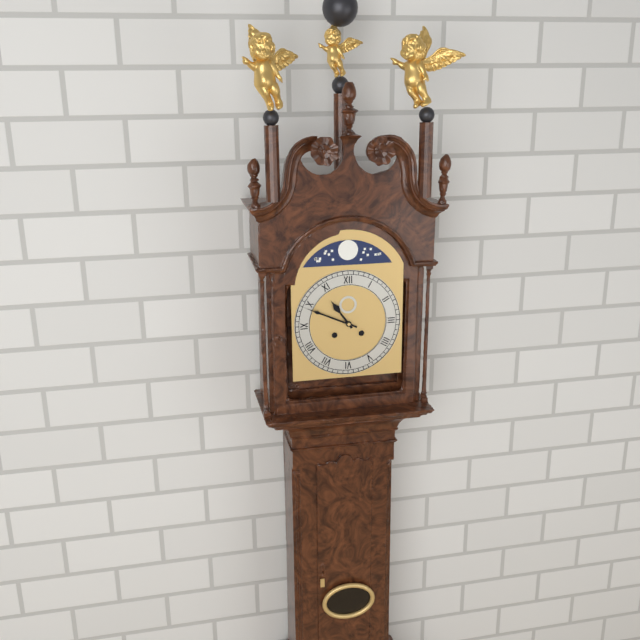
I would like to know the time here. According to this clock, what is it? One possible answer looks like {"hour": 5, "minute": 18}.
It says {"hour": 10, "minute": 49}
